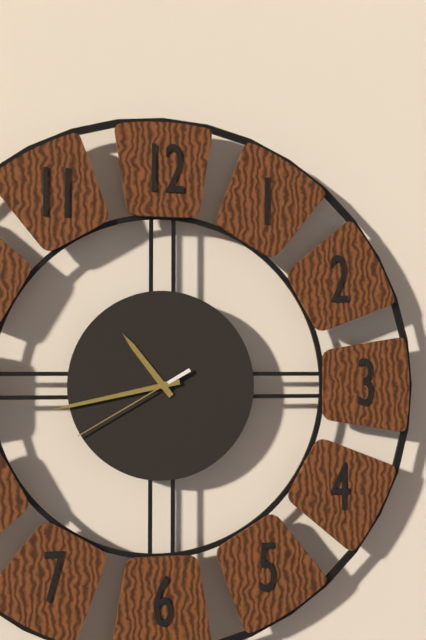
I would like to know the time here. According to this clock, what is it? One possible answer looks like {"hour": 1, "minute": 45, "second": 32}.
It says {"hour": 10, "minute": 43, "second": 40}
